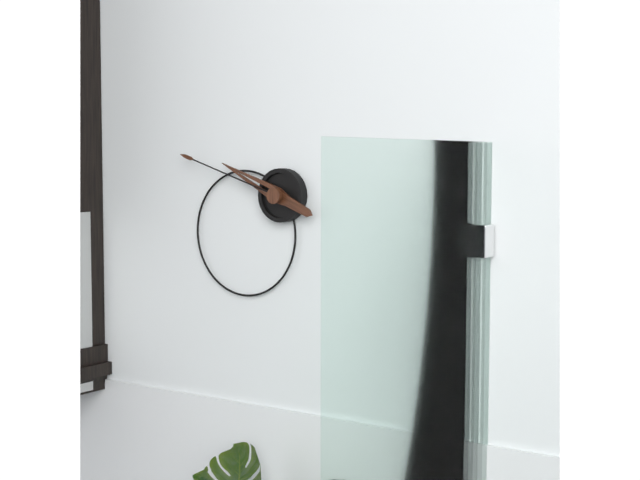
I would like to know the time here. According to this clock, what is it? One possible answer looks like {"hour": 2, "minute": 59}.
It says {"hour": 9, "minute": 48}
